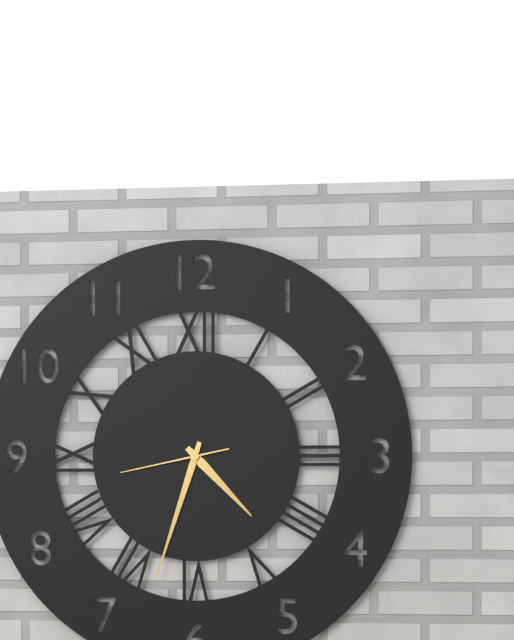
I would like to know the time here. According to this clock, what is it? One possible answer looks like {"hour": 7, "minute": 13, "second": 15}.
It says {"hour": 4, "minute": 33, "second": 43}
